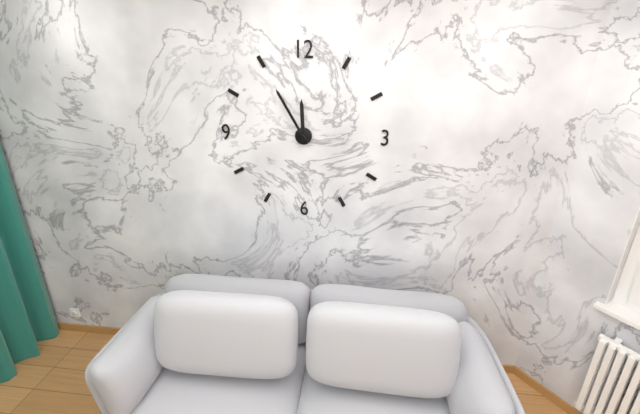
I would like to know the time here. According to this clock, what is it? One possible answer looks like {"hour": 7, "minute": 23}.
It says {"hour": 11, "minute": 55}
